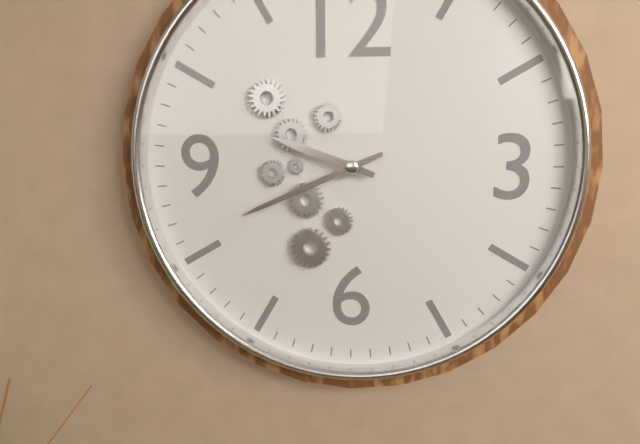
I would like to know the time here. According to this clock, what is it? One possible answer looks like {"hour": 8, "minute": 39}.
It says {"hour": 9, "minute": 41}
